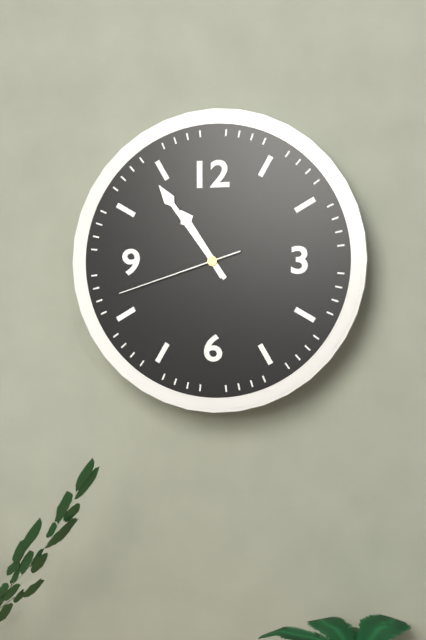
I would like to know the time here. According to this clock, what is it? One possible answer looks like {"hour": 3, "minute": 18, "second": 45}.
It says {"hour": 10, "minute": 54, "second": 42}
